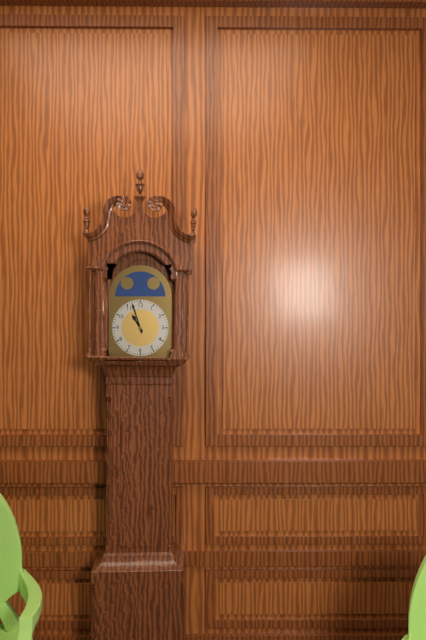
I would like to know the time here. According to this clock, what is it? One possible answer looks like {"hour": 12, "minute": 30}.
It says {"hour": 10, "minute": 57}
